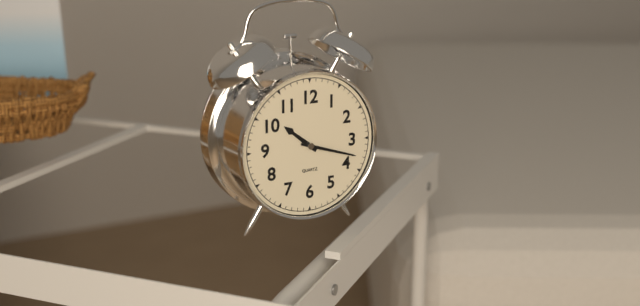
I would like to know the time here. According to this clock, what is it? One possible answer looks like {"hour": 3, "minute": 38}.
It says {"hour": 10, "minute": 18}
